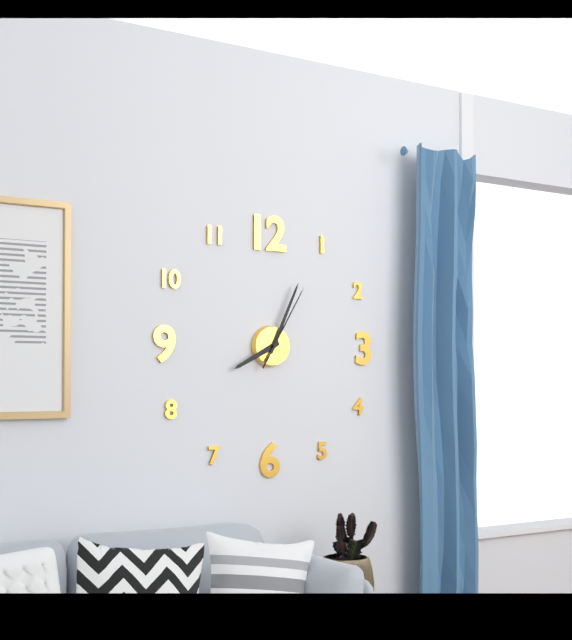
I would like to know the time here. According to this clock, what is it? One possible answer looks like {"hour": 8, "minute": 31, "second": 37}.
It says {"hour": 8, "minute": 4, "second": 5}
